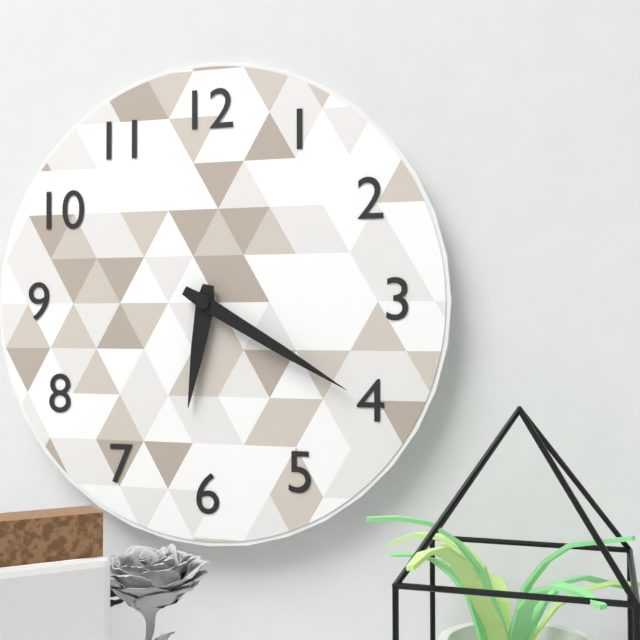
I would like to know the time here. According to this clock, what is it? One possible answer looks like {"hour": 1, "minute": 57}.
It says {"hour": 6, "minute": 20}
